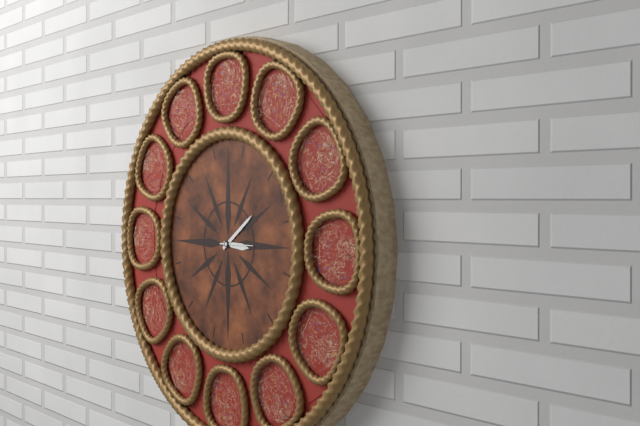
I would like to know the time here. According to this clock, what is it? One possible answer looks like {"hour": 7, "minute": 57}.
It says {"hour": 3, "minute": 9}
